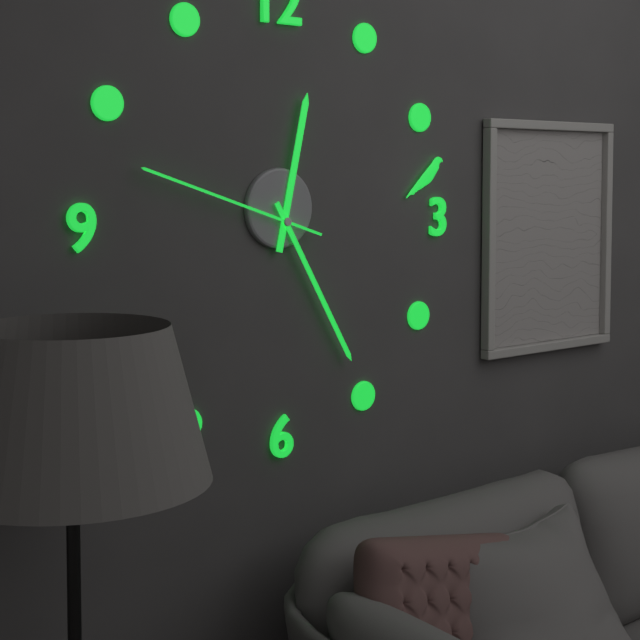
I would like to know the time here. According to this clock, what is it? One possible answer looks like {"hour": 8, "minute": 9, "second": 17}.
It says {"hour": 12, "minute": 25, "second": 48}
